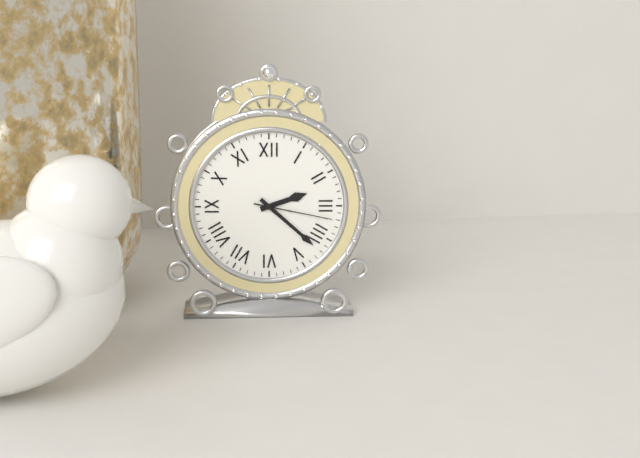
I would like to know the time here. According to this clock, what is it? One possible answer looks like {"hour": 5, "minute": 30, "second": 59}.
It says {"hour": 2, "minute": 22, "second": 17}
